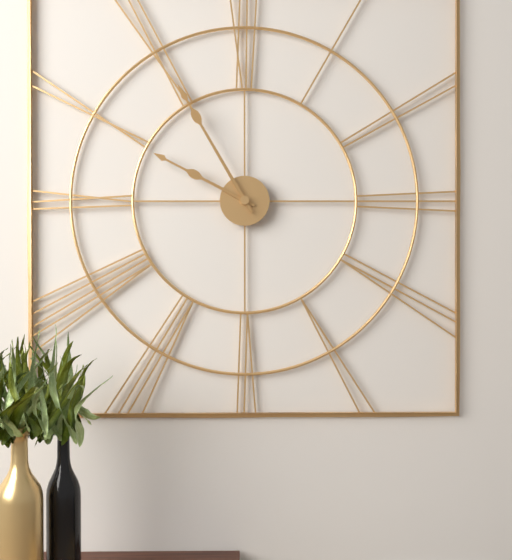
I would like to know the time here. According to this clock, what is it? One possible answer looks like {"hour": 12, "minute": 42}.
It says {"hour": 9, "minute": 55}
